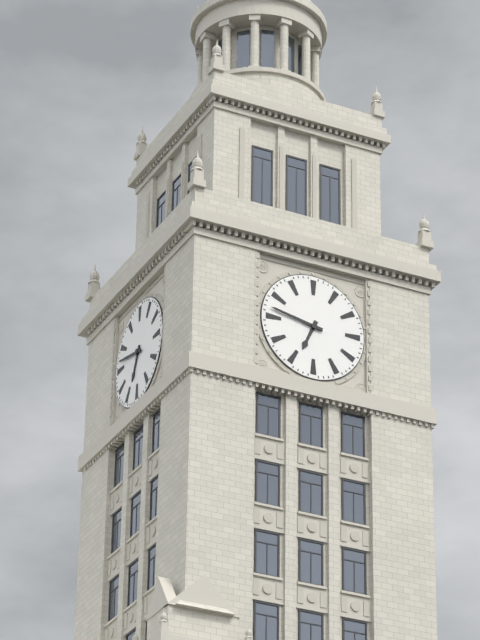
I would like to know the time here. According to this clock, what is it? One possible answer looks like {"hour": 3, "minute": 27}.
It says {"hour": 6, "minute": 47}
